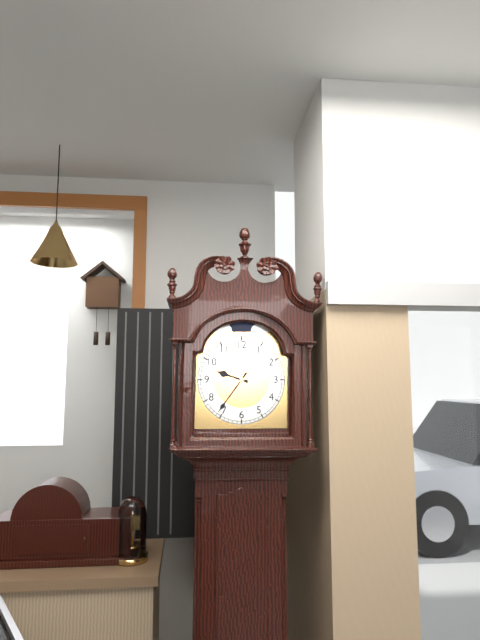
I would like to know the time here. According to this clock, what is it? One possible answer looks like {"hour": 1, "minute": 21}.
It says {"hour": 9, "minute": 36}
